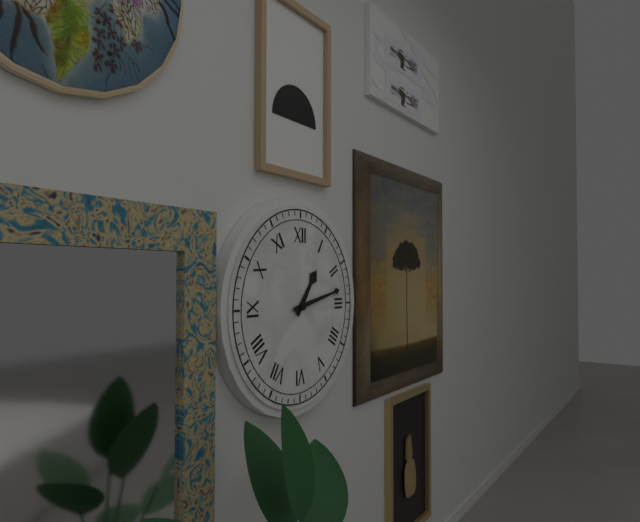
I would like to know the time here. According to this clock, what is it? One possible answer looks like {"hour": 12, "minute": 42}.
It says {"hour": 1, "minute": 13}
